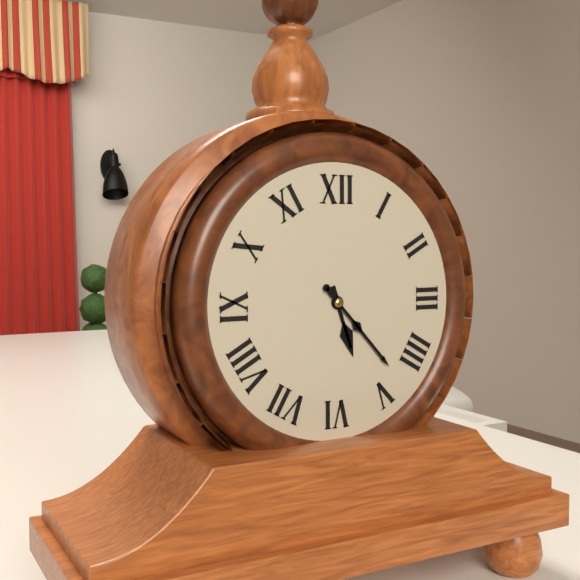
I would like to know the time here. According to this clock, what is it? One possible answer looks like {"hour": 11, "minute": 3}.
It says {"hour": 5, "minute": 23}
